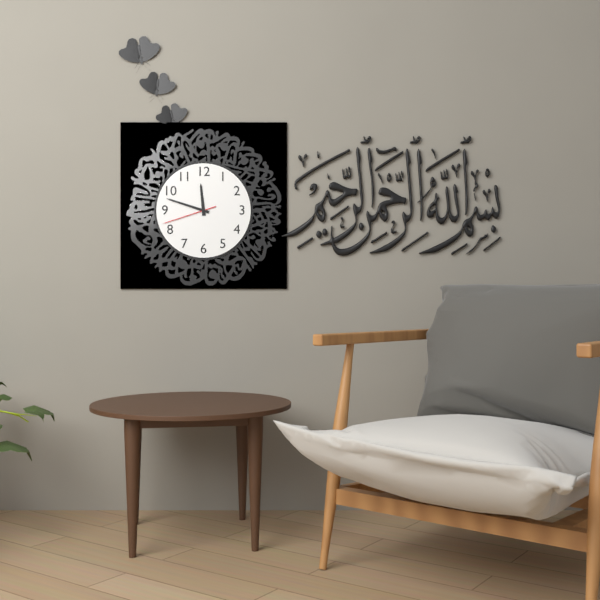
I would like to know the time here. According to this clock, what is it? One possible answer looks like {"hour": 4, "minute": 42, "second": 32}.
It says {"hour": 11, "minute": 48, "second": 42}
